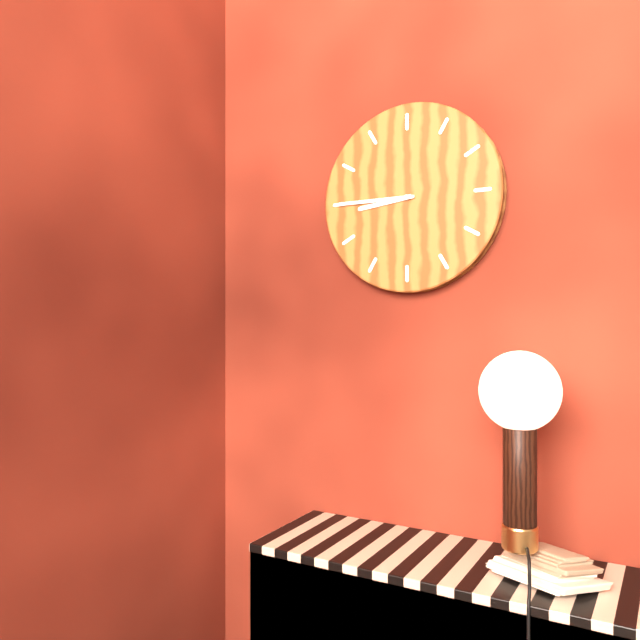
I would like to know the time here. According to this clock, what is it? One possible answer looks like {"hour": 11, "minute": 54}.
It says {"hour": 8, "minute": 45}
